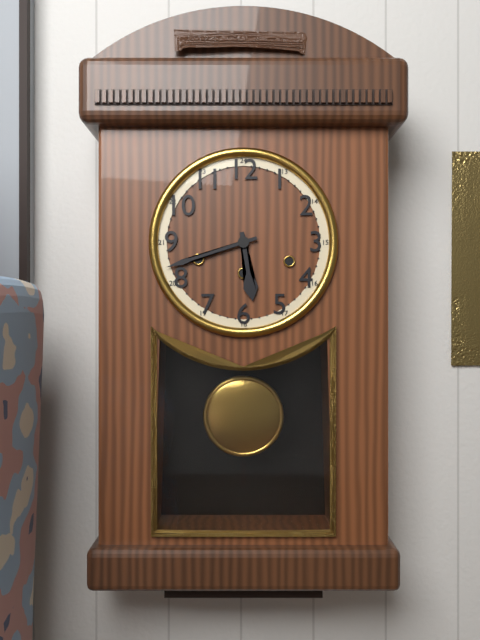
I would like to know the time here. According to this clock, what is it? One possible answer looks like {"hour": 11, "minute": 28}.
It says {"hour": 5, "minute": 42}
